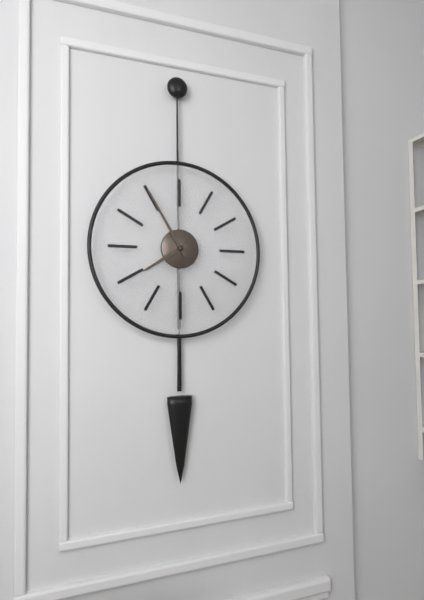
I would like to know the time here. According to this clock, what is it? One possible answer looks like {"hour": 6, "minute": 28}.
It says {"hour": 7, "minute": 55}
